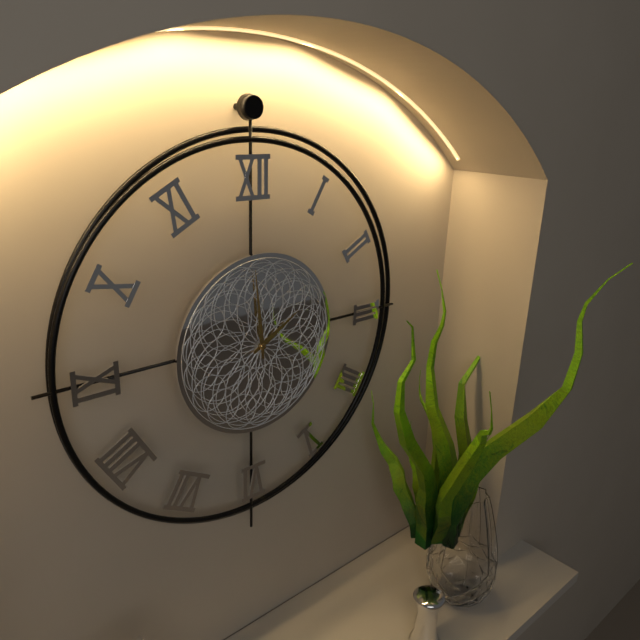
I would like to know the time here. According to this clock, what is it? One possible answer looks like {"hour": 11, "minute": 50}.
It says {"hour": 1, "minute": 59}
